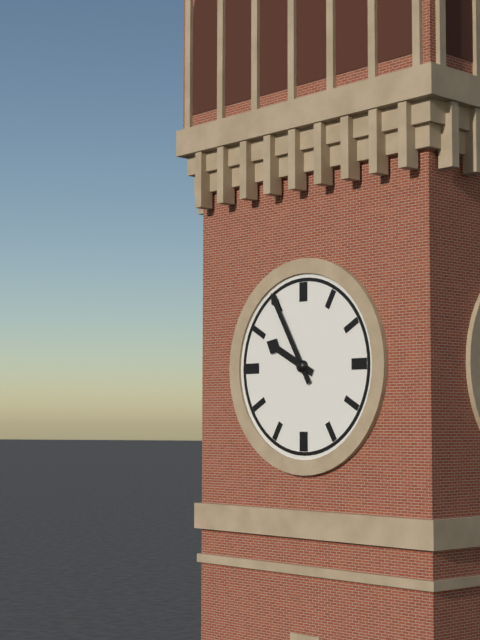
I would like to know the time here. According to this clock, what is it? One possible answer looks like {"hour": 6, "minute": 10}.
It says {"hour": 9, "minute": 55}
